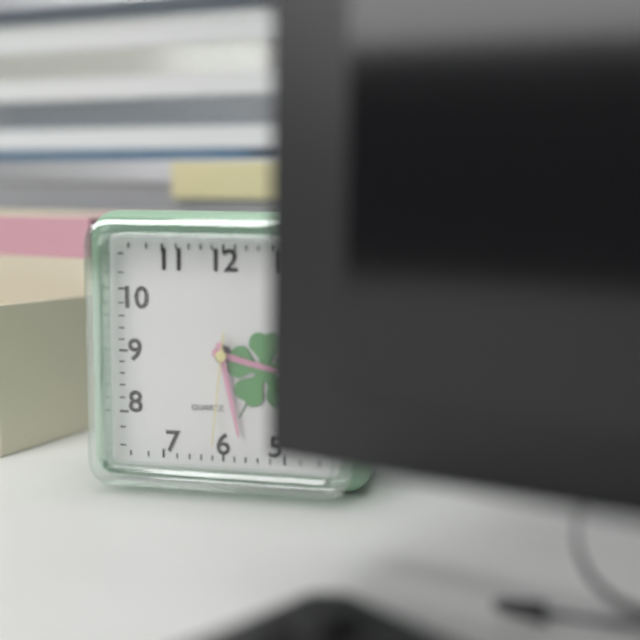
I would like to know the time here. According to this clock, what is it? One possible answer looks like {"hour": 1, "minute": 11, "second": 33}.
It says {"hour": 3, "minute": 28, "second": 31}
